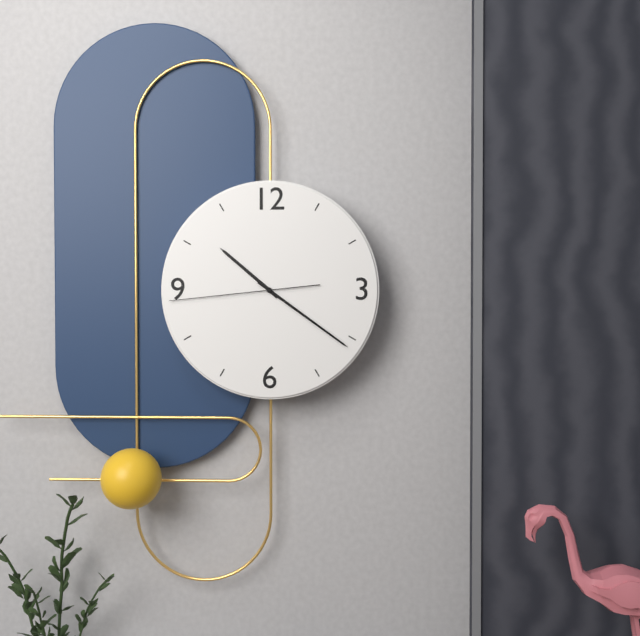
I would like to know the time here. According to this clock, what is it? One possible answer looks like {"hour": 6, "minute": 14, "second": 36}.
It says {"hour": 10, "minute": 21, "second": 44}
